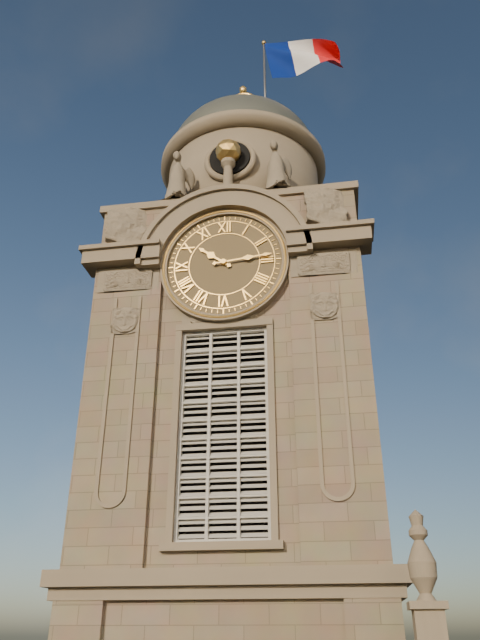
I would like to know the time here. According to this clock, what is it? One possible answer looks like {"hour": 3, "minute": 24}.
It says {"hour": 10, "minute": 14}
